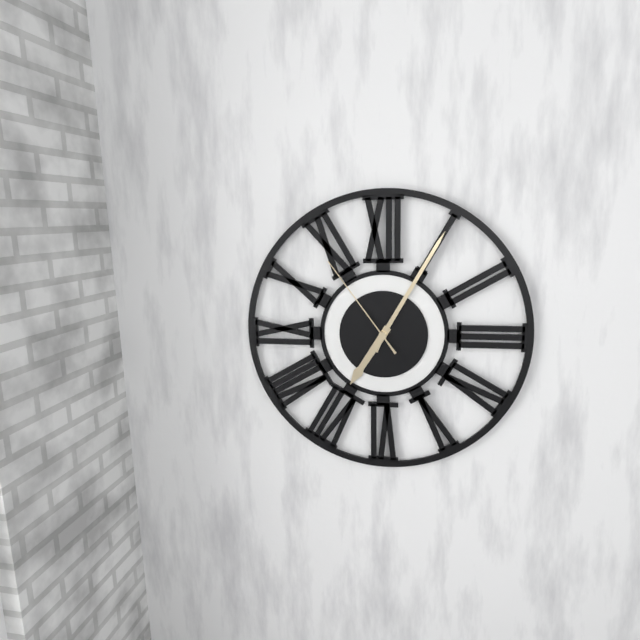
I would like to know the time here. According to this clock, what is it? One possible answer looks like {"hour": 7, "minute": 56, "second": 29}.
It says {"hour": 7, "minute": 5, "second": 54}
